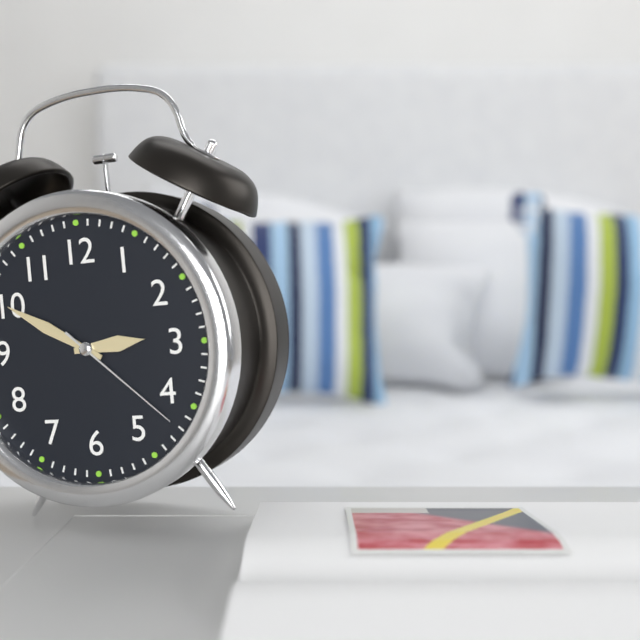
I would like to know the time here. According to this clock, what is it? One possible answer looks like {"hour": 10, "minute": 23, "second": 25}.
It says {"hour": 2, "minute": 50, "second": 22}
